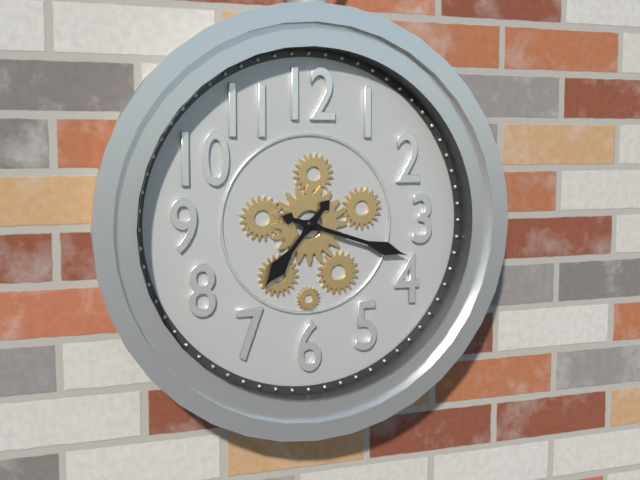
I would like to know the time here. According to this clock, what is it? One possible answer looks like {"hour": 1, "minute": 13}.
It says {"hour": 7, "minute": 18}
